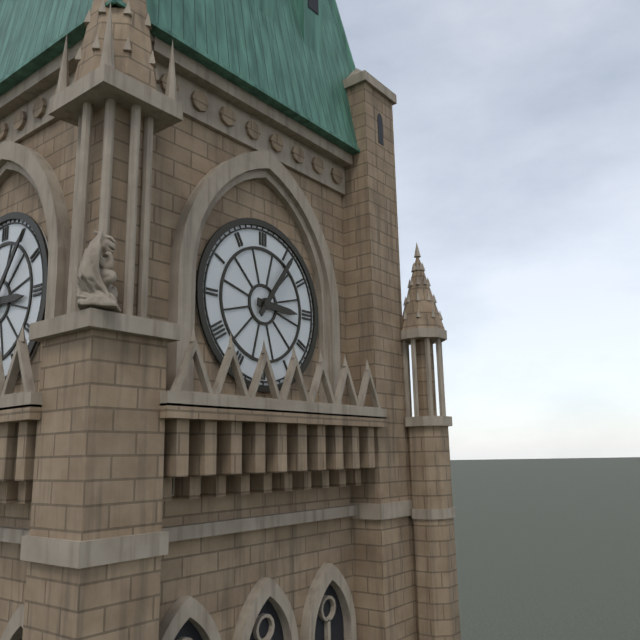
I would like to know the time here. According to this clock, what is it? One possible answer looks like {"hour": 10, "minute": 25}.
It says {"hour": 3, "minute": 6}
